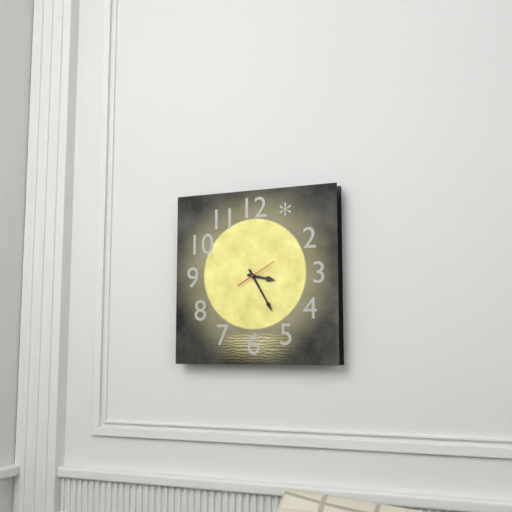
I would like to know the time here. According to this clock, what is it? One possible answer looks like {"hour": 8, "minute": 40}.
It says {"hour": 3, "minute": 25}
